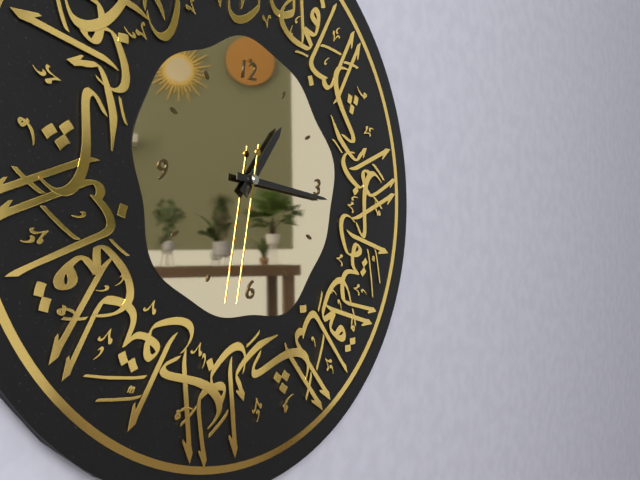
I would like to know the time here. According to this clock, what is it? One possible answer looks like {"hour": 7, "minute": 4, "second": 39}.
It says {"hour": 1, "minute": 16, "second": 32}
